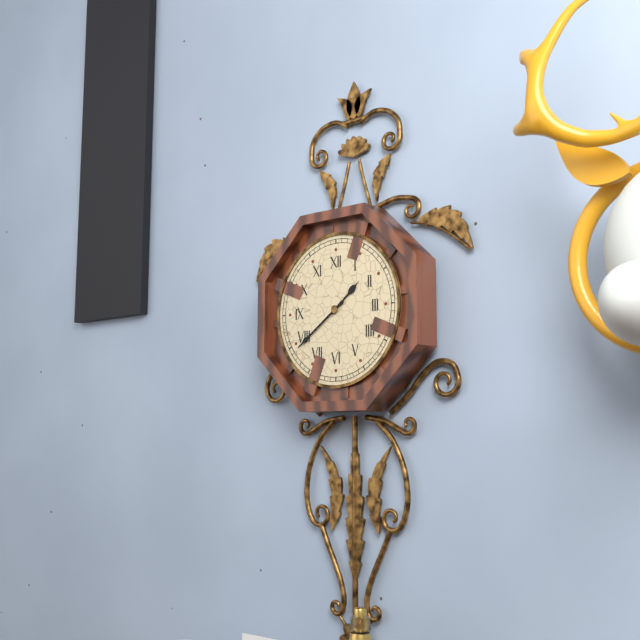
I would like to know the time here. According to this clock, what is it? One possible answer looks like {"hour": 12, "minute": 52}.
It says {"hour": 1, "minute": 39}
